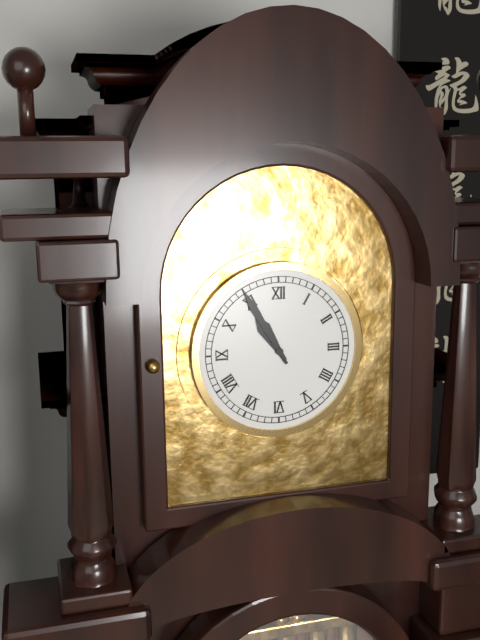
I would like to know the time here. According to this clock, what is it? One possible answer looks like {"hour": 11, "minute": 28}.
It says {"hour": 10, "minute": 55}
